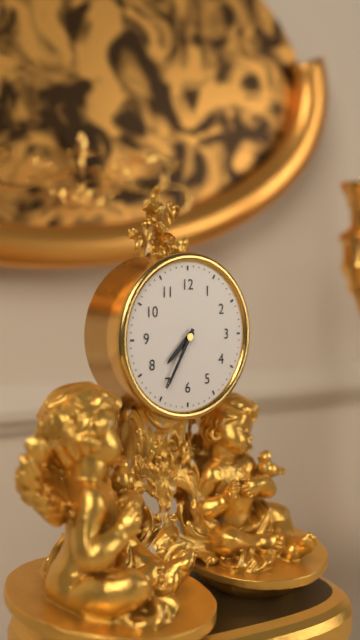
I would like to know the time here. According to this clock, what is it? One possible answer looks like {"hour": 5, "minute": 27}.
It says {"hour": 7, "minute": 35}
